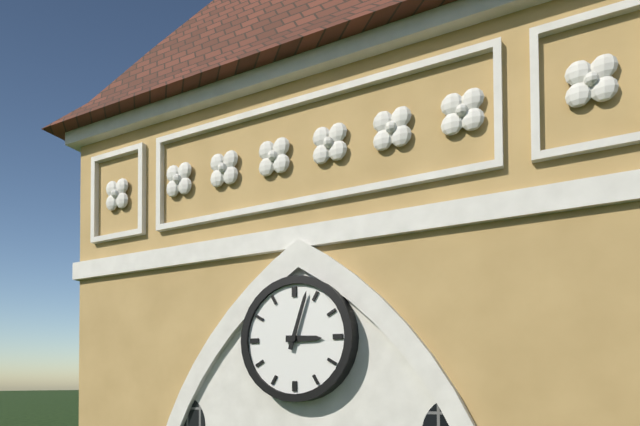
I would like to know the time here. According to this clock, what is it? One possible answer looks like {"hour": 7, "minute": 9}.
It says {"hour": 3, "minute": 3}
